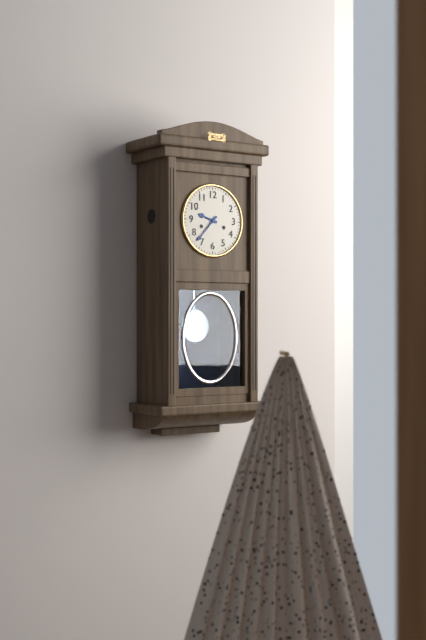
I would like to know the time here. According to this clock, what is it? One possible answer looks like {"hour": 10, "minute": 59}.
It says {"hour": 9, "minute": 37}
